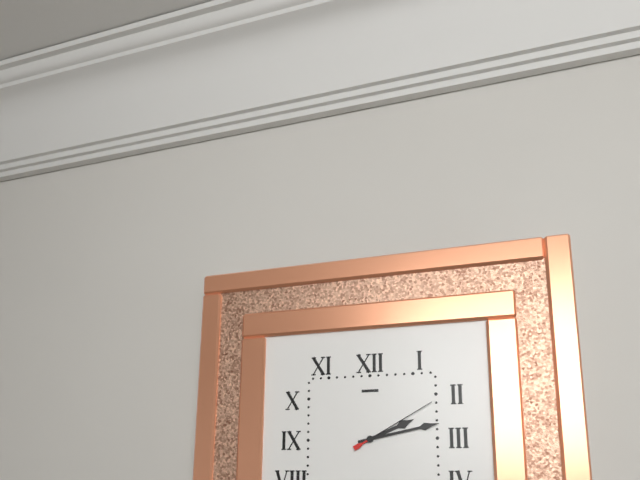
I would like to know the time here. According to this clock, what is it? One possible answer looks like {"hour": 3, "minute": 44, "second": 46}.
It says {"hour": 2, "minute": 13, "second": 10}
